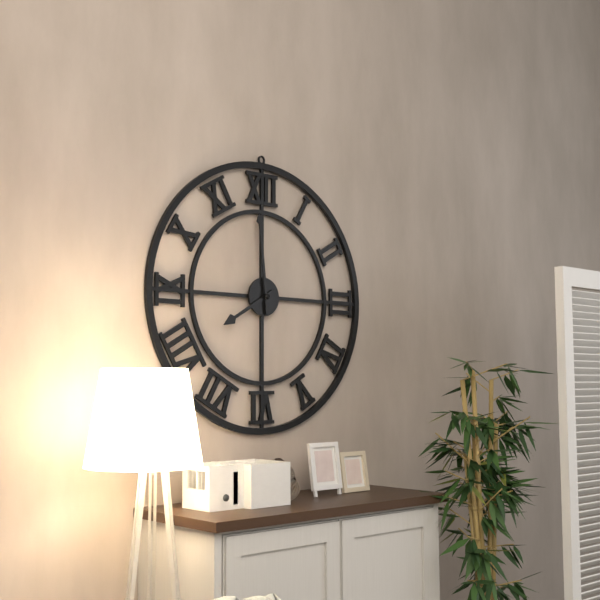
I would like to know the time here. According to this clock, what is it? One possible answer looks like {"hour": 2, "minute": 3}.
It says {"hour": 7, "minute": 59}
